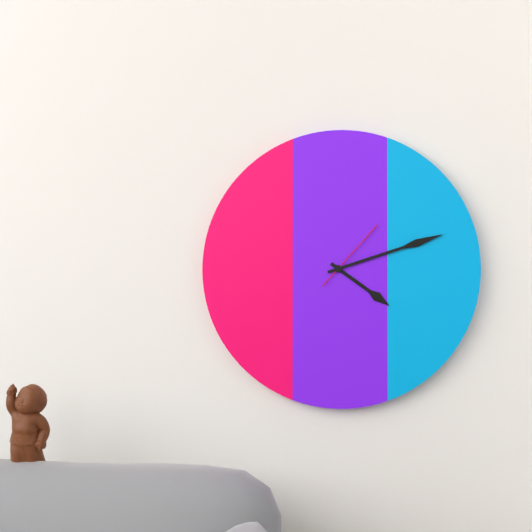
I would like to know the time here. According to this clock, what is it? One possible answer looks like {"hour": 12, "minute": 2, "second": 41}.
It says {"hour": 4, "minute": 12, "second": 7}
